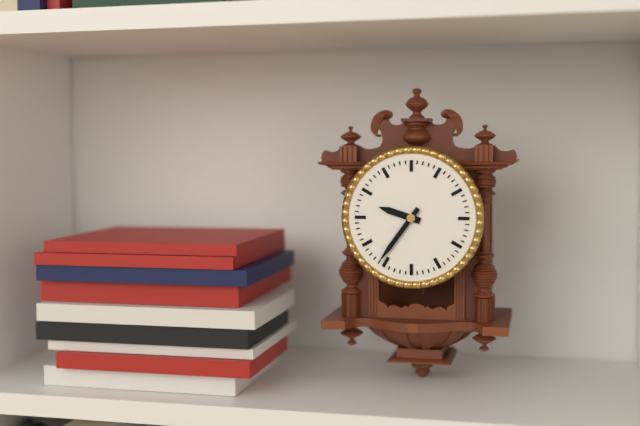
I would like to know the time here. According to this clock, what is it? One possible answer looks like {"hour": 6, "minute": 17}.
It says {"hour": 9, "minute": 36}
